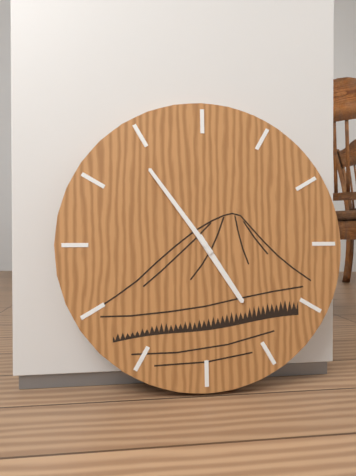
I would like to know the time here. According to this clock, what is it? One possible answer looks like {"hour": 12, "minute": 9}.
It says {"hour": 4, "minute": 54}
